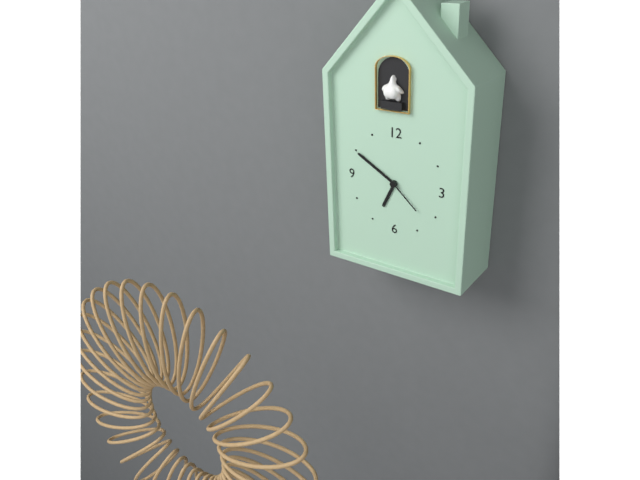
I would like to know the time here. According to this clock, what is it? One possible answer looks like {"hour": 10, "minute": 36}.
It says {"hour": 6, "minute": 50}
